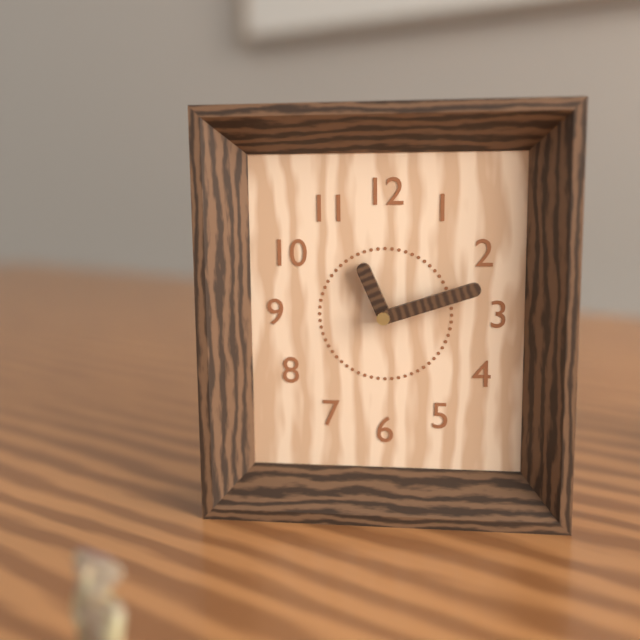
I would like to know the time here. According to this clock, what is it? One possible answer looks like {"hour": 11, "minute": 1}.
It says {"hour": 11, "minute": 12}
